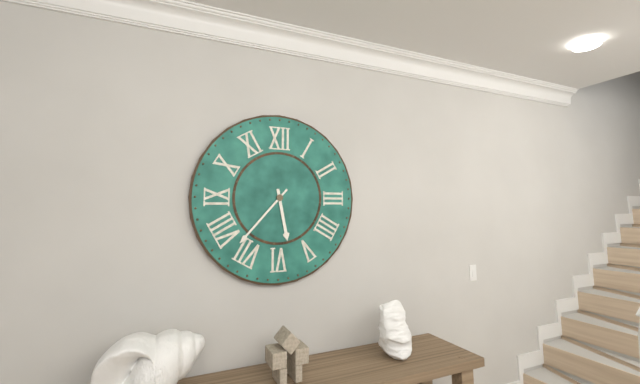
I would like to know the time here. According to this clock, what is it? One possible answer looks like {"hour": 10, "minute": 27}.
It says {"hour": 5, "minute": 37}
